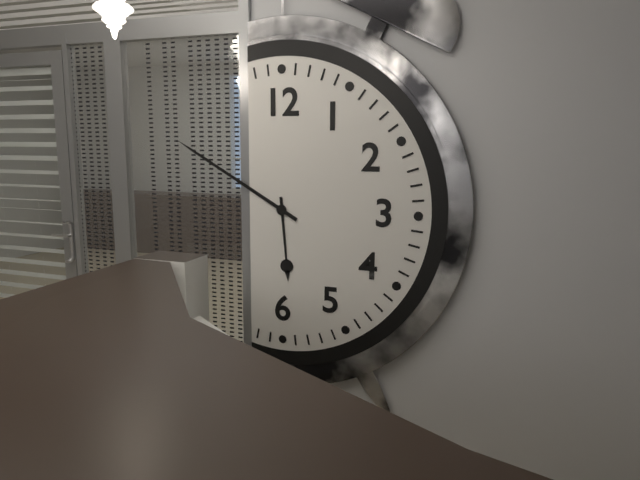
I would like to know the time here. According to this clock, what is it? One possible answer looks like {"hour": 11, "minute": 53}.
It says {"hour": 5, "minute": 50}
